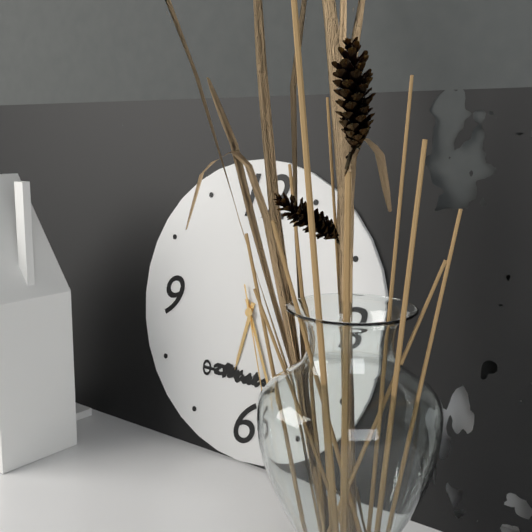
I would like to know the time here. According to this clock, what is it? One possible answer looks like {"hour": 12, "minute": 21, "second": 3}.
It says {"hour": 6, "minute": 26, "second": 27}
